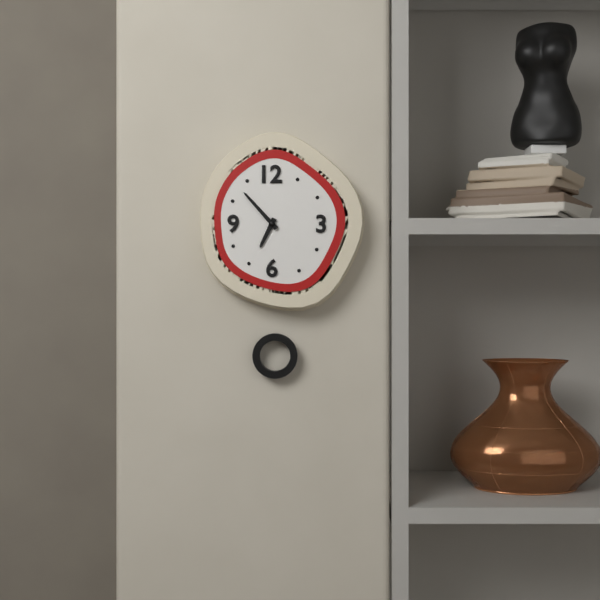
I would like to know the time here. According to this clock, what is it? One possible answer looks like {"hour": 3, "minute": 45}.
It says {"hour": 6, "minute": 53}
